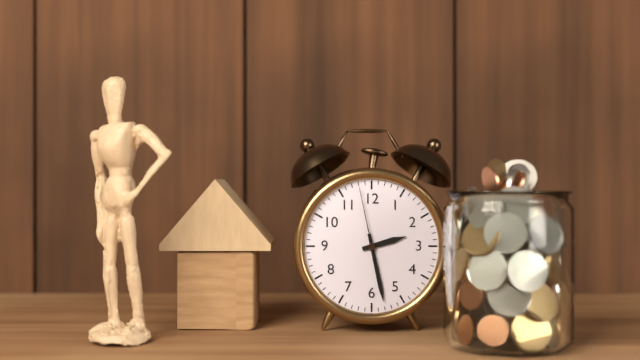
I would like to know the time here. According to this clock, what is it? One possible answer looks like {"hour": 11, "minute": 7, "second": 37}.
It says {"hour": 2, "minute": 28, "second": 58}
